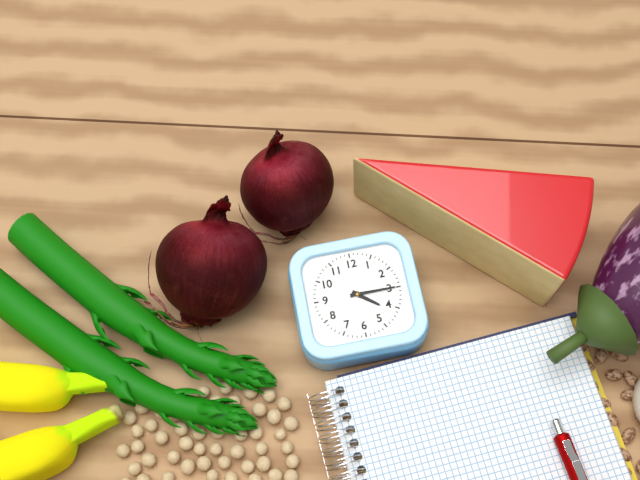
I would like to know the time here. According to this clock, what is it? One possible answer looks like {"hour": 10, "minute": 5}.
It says {"hour": 4, "minute": 15}
